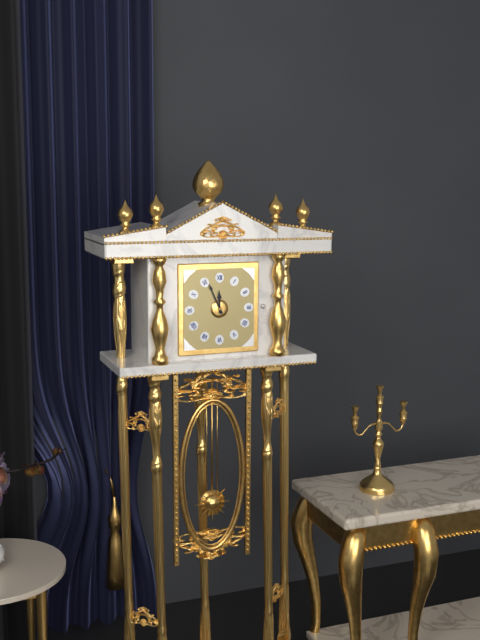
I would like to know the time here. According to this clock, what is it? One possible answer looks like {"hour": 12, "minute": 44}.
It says {"hour": 11, "minute": 56}
